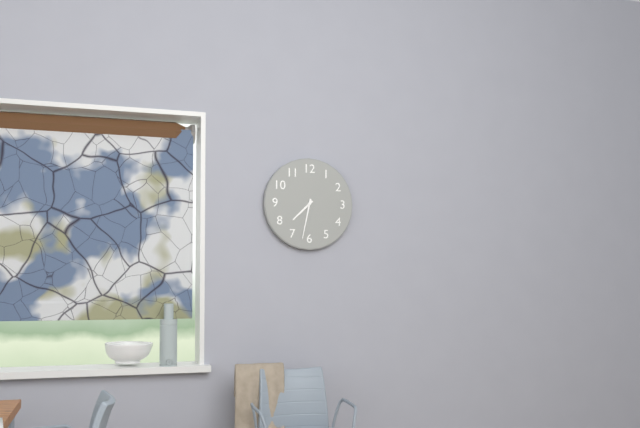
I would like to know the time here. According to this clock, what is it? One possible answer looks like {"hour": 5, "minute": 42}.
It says {"hour": 7, "minute": 32}
